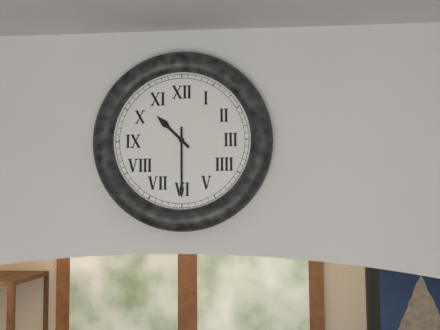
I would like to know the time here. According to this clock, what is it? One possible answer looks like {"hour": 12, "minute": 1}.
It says {"hour": 10, "minute": 30}
